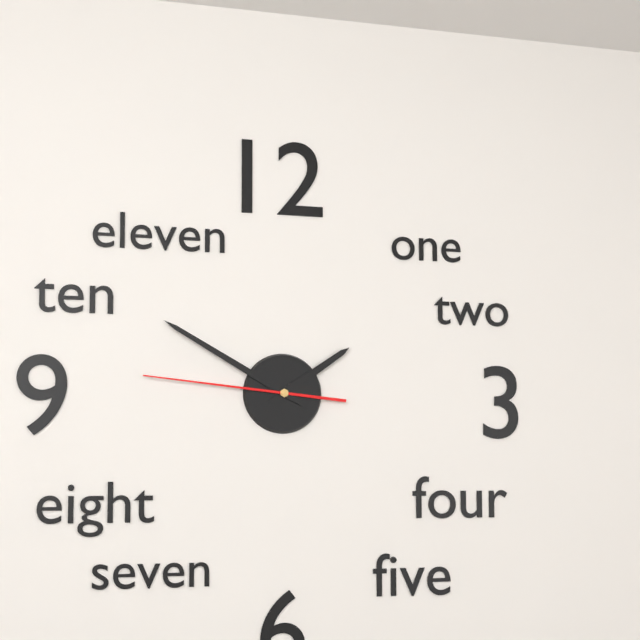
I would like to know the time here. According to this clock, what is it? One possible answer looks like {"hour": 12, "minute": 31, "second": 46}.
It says {"hour": 1, "minute": 50, "second": 46}
